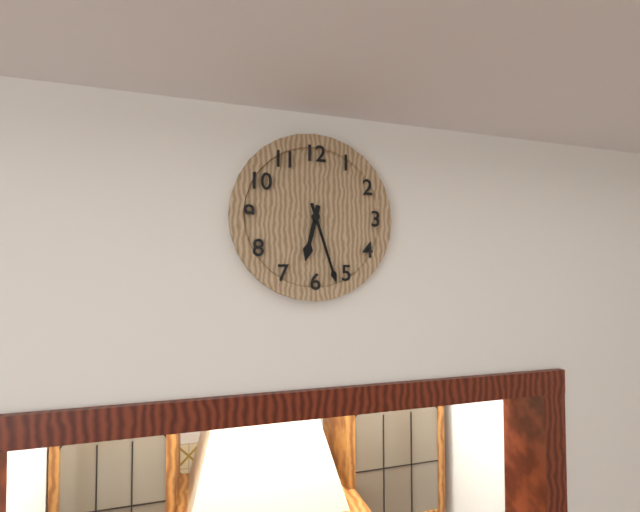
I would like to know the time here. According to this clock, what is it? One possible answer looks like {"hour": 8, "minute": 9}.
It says {"hour": 6, "minute": 27}
